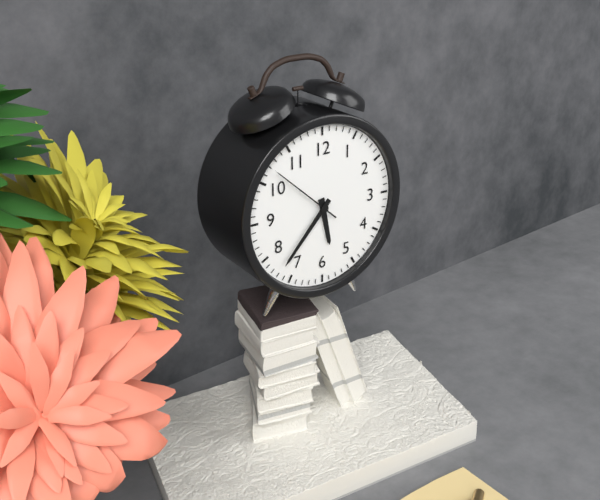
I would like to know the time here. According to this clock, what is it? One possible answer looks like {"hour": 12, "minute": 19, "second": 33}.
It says {"hour": 5, "minute": 37, "second": 52}
